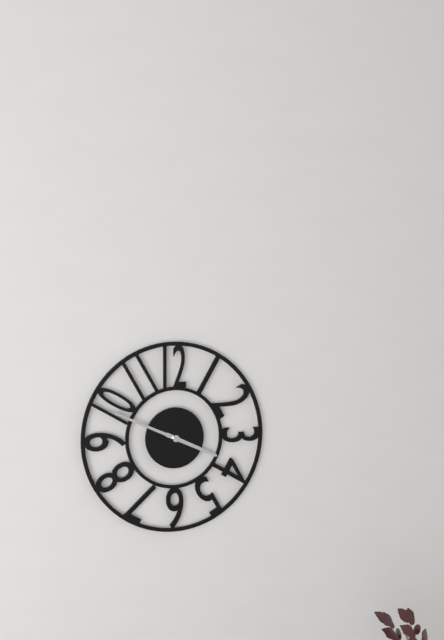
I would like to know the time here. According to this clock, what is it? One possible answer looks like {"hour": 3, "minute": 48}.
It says {"hour": 3, "minute": 49}
